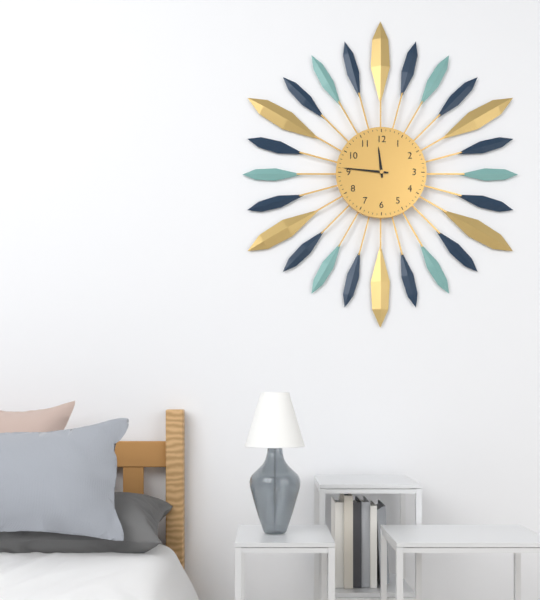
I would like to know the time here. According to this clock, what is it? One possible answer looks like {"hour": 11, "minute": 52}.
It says {"hour": 11, "minute": 46}
